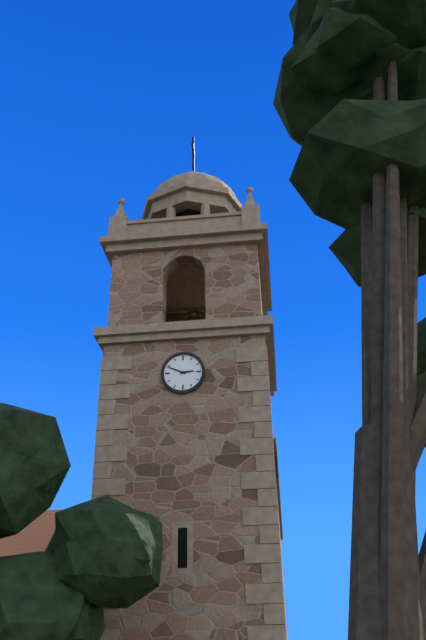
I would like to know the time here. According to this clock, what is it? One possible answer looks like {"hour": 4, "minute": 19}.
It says {"hour": 2, "minute": 49}
